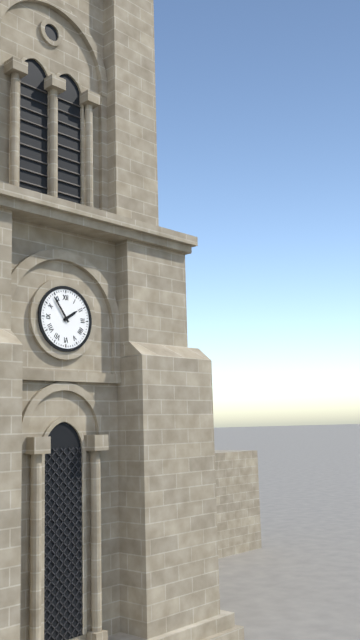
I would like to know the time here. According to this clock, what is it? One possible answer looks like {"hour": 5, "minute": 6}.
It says {"hour": 1, "minute": 54}
